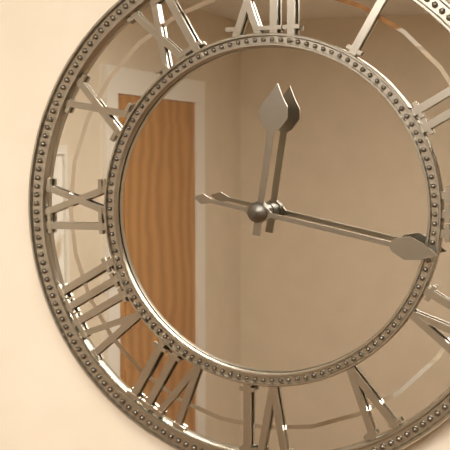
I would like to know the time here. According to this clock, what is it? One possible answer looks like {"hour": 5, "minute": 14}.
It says {"hour": 12, "minute": 17}
